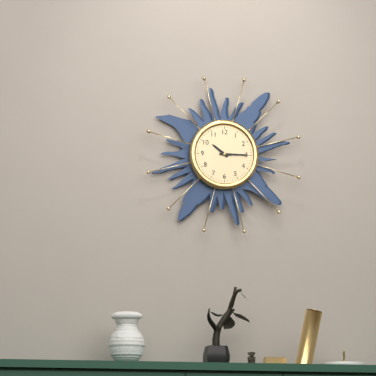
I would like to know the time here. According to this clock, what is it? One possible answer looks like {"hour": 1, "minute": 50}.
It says {"hour": 10, "minute": 15}
